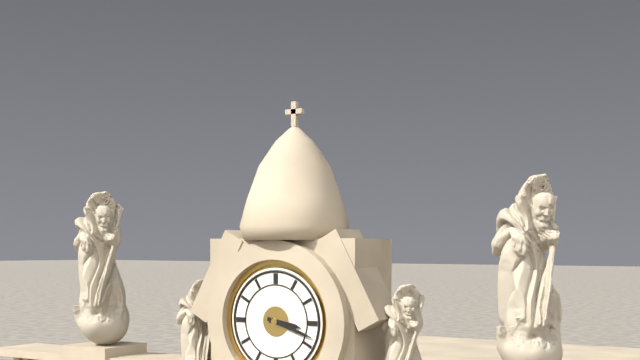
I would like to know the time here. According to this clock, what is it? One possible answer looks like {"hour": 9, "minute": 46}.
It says {"hour": 3, "minute": 18}
